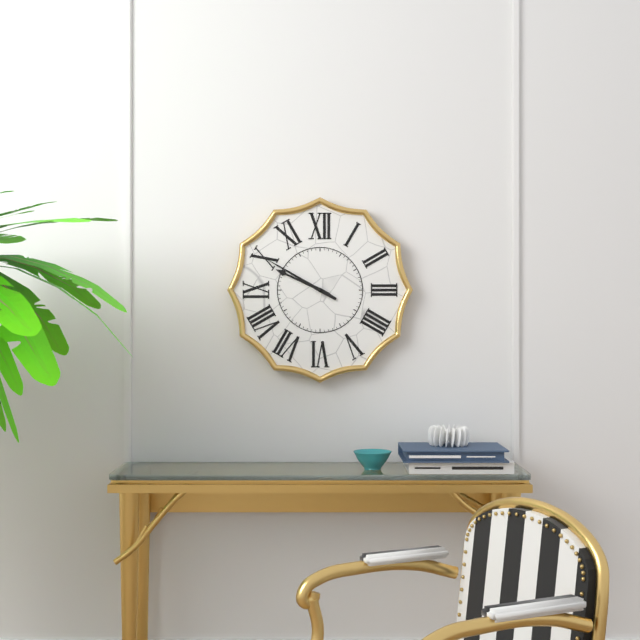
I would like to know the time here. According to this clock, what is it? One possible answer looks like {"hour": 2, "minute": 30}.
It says {"hour": 9, "minute": 50}
